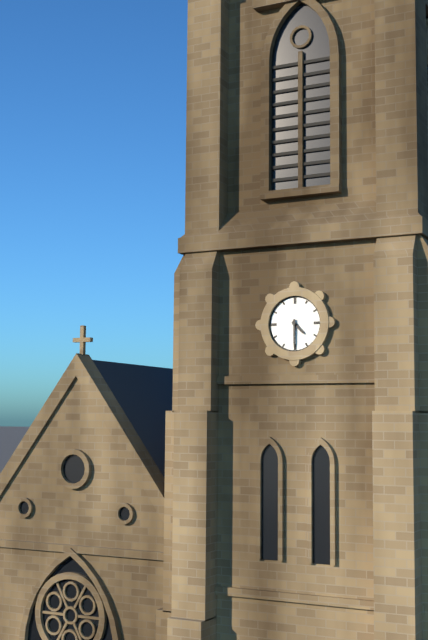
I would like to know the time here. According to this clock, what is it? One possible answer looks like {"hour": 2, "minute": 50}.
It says {"hour": 4, "minute": 30}
